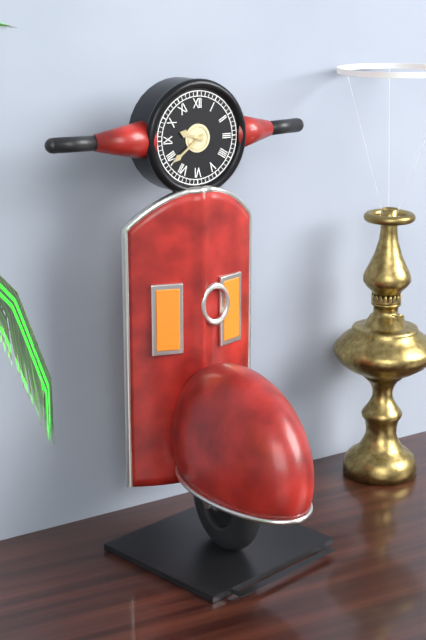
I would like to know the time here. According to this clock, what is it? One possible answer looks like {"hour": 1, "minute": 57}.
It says {"hour": 9, "minute": 39}
